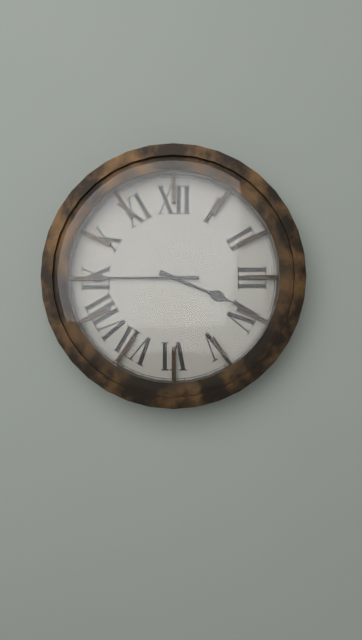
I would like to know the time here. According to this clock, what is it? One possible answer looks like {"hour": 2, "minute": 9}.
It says {"hour": 3, "minute": 45}
